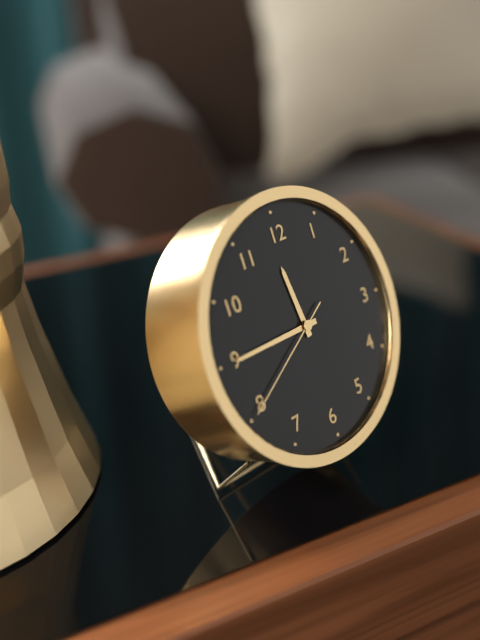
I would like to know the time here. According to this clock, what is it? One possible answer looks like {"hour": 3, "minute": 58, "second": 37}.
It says {"hour": 11, "minute": 45, "second": 40}
